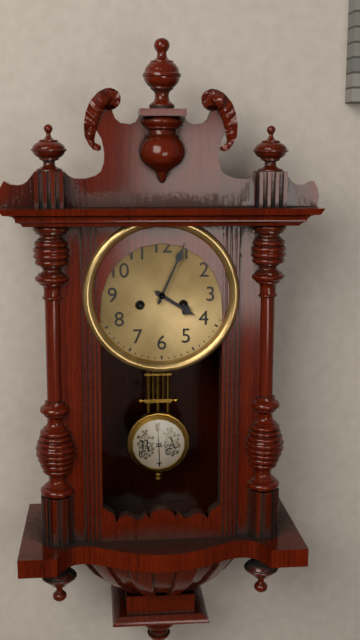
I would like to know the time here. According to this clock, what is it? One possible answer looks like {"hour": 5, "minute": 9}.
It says {"hour": 4, "minute": 4}
